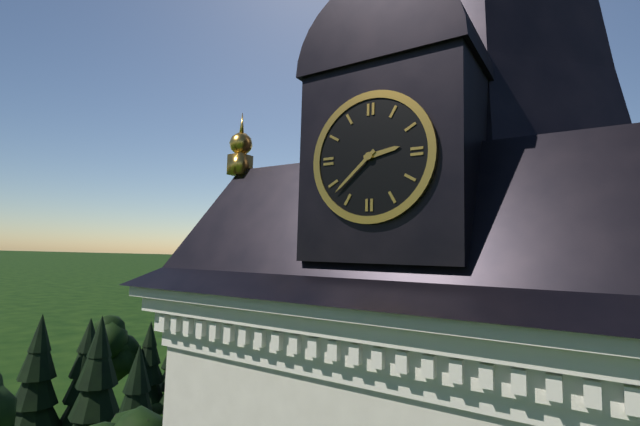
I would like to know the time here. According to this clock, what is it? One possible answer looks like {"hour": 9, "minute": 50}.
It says {"hour": 2, "minute": 38}
